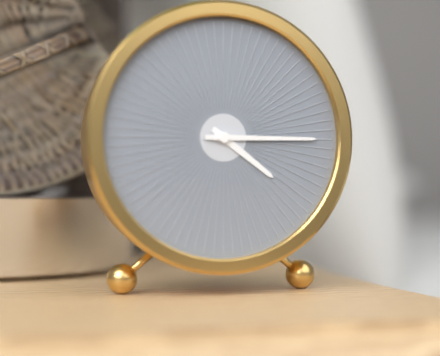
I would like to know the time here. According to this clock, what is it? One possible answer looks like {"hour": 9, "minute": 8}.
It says {"hour": 4, "minute": 15}
